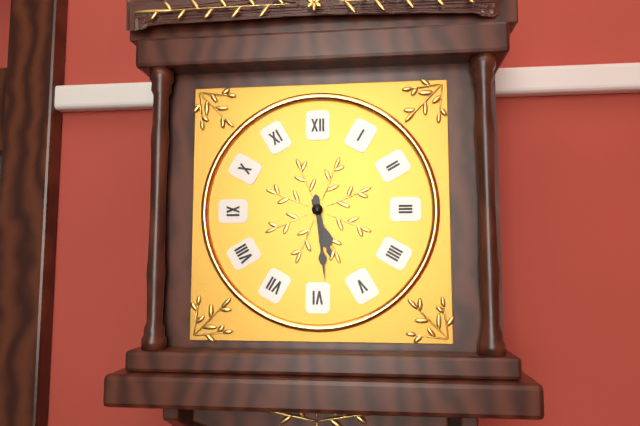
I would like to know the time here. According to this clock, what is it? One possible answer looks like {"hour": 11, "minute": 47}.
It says {"hour": 5, "minute": 29}
